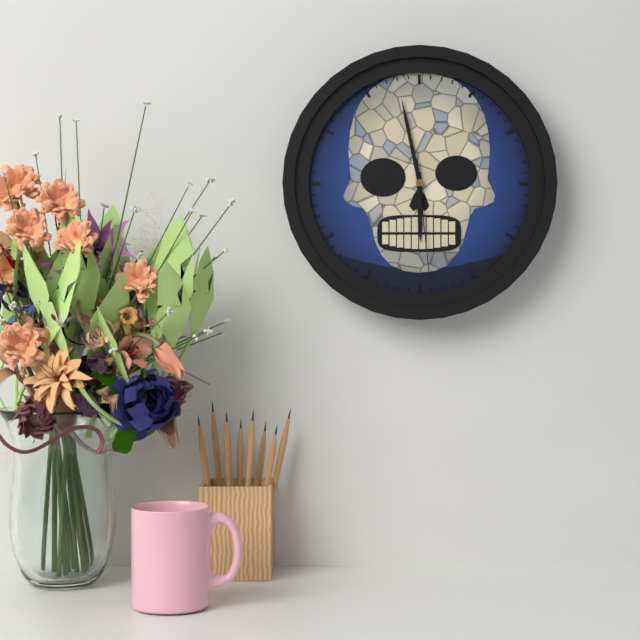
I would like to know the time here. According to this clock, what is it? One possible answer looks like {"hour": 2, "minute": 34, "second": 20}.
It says {"hour": 5, "minute": 58, "second": 29}
